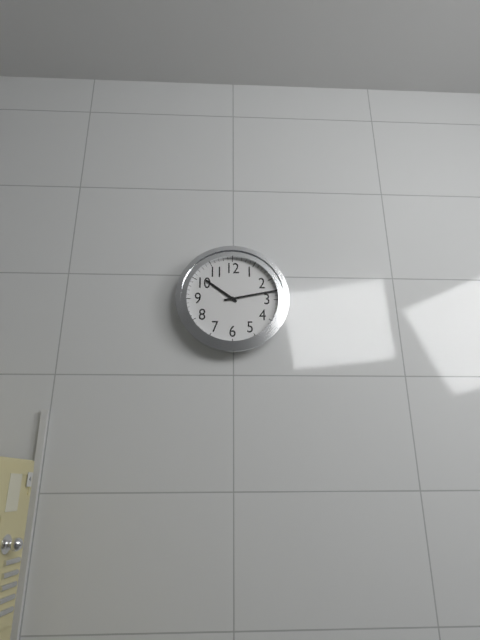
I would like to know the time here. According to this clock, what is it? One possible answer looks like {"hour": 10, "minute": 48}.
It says {"hour": 10, "minute": 13}
